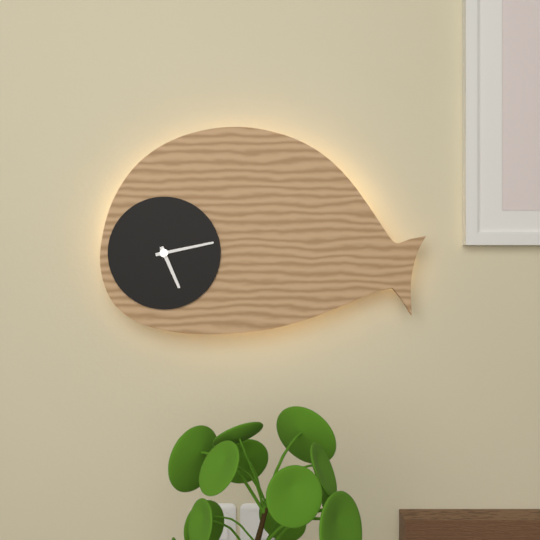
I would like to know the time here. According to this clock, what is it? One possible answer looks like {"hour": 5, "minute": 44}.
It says {"hour": 5, "minute": 13}
